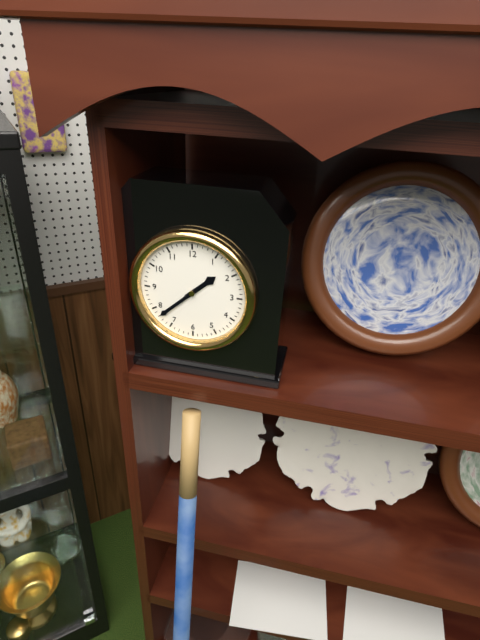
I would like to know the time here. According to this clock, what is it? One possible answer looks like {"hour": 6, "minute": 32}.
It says {"hour": 1, "minute": 38}
